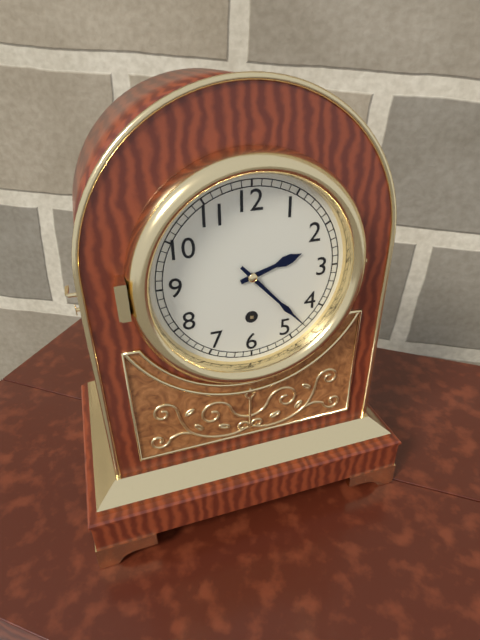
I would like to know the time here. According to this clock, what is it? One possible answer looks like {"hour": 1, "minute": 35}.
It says {"hour": 2, "minute": 23}
